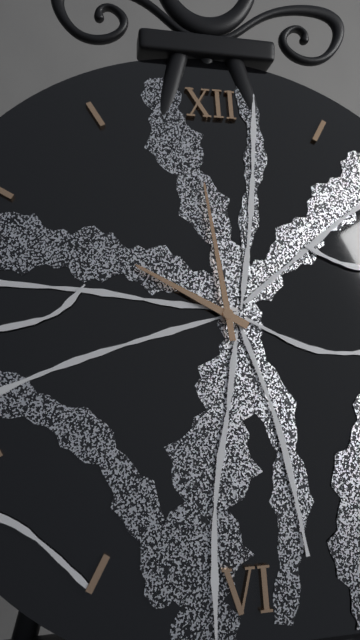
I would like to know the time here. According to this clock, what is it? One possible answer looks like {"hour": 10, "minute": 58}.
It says {"hour": 9, "minute": 59}
